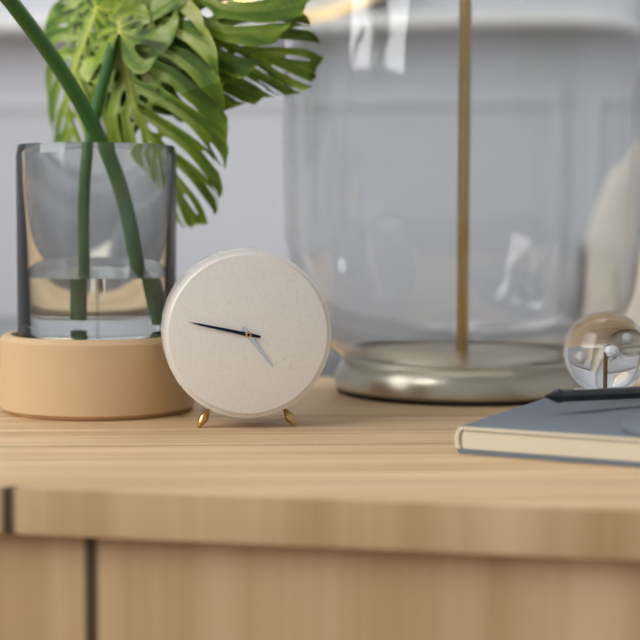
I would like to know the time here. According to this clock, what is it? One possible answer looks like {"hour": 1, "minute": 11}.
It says {"hour": 4, "minute": 47}
